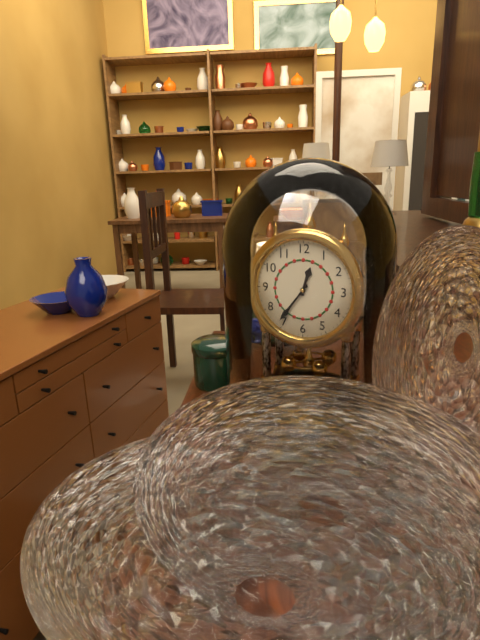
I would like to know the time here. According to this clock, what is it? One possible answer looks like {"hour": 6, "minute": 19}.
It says {"hour": 12, "minute": 36}
